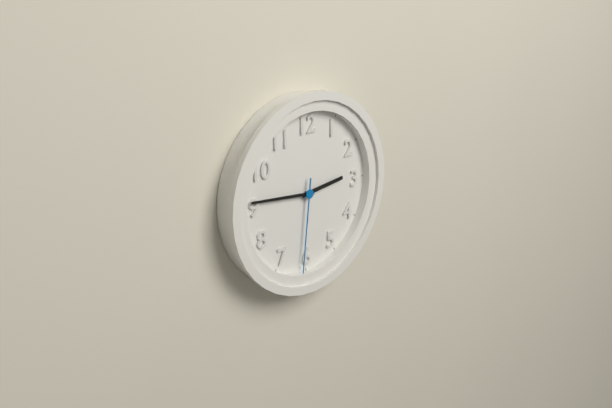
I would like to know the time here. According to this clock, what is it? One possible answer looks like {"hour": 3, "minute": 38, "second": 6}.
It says {"hour": 2, "minute": 46, "second": 31}
